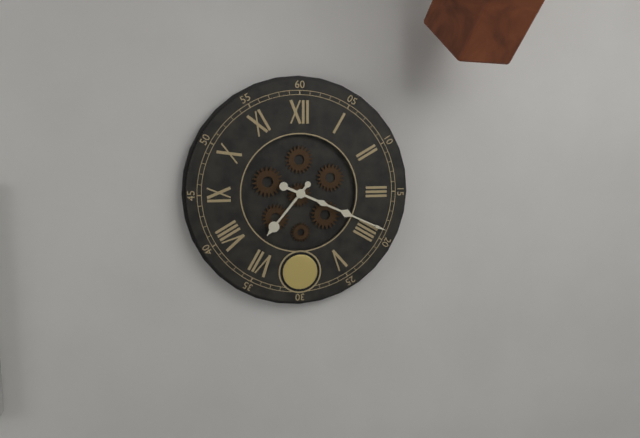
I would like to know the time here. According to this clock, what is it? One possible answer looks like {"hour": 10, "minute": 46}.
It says {"hour": 7, "minute": 19}
